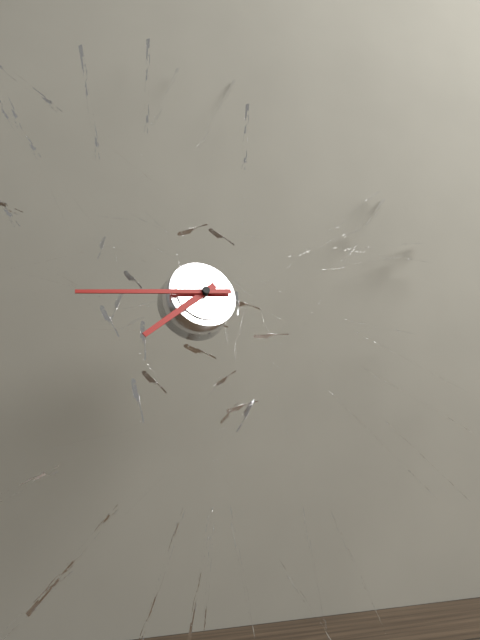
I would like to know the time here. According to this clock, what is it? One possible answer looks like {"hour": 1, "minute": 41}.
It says {"hour": 7, "minute": 44}
